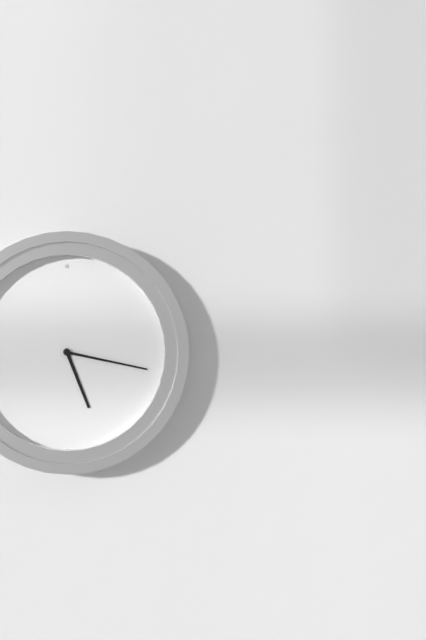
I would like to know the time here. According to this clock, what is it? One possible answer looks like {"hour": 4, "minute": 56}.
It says {"hour": 5, "minute": 17}
